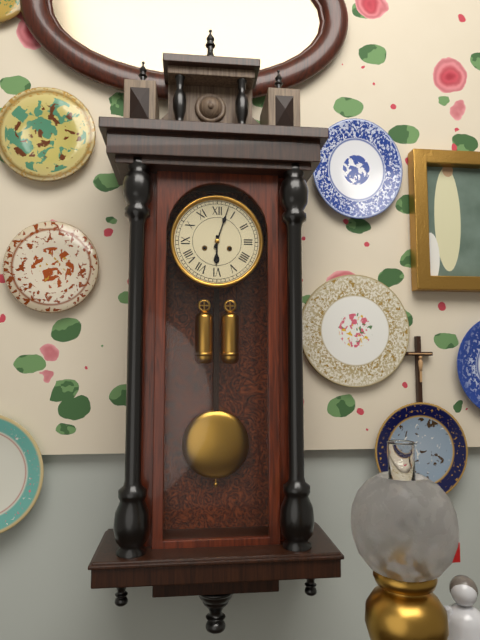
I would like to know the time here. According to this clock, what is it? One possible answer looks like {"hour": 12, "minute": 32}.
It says {"hour": 6, "minute": 3}
